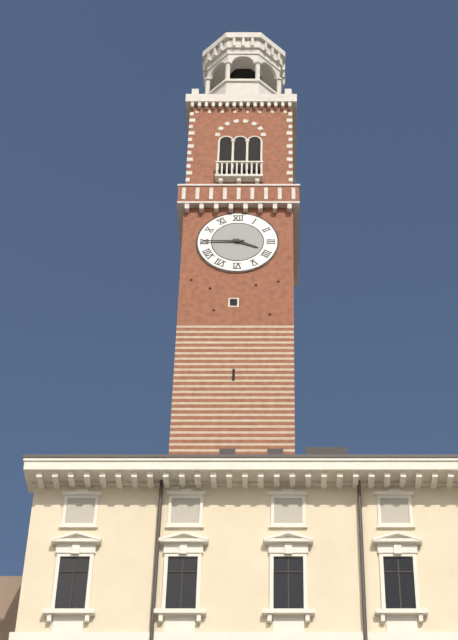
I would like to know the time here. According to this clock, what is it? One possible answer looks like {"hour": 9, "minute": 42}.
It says {"hour": 3, "minute": 45}
